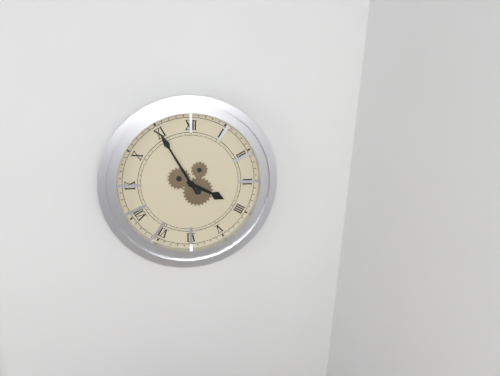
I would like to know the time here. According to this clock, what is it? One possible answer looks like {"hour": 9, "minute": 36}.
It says {"hour": 3, "minute": 55}
